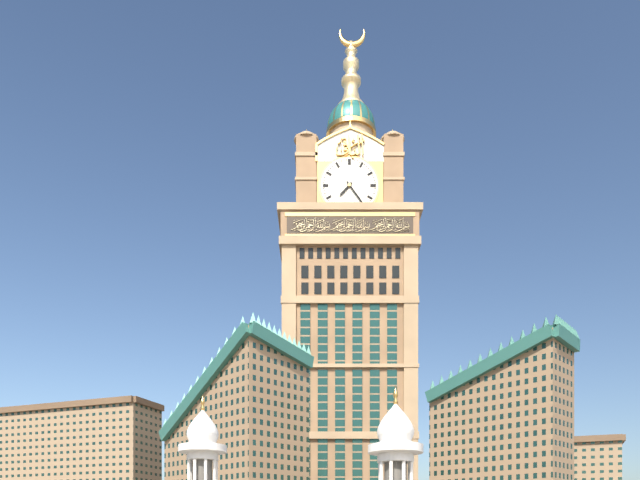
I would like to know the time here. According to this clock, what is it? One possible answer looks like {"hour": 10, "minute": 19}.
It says {"hour": 7, "minute": 24}
